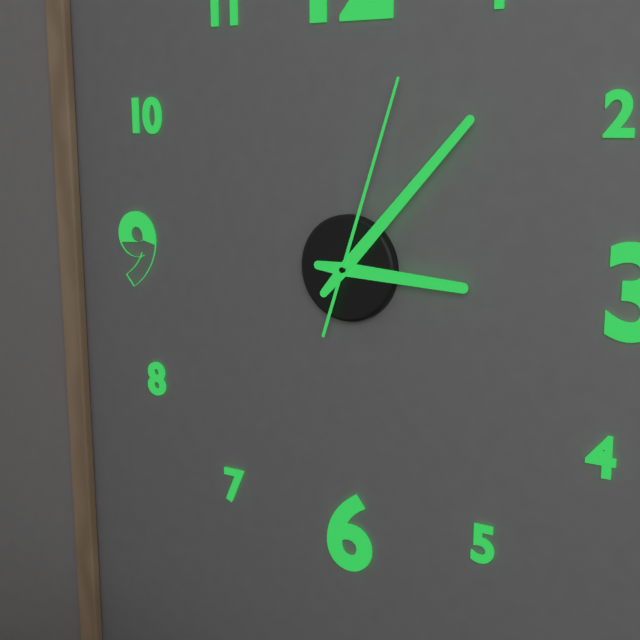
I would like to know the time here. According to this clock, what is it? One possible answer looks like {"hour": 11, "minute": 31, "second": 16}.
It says {"hour": 3, "minute": 7, "second": 3}
